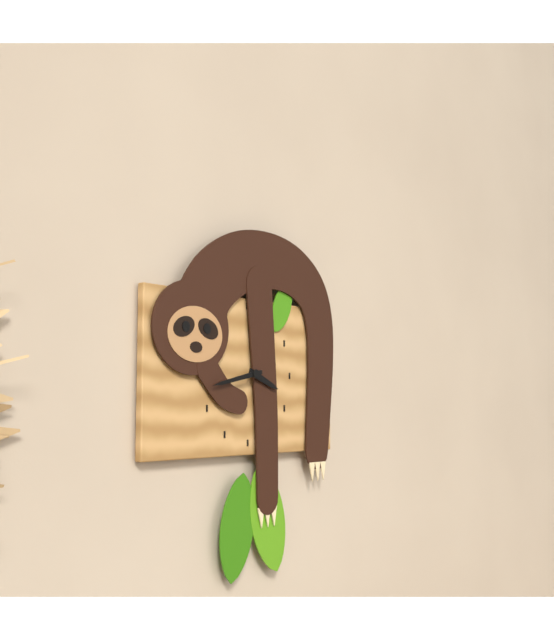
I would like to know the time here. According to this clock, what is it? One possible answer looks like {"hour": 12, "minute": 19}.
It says {"hour": 3, "minute": 43}
